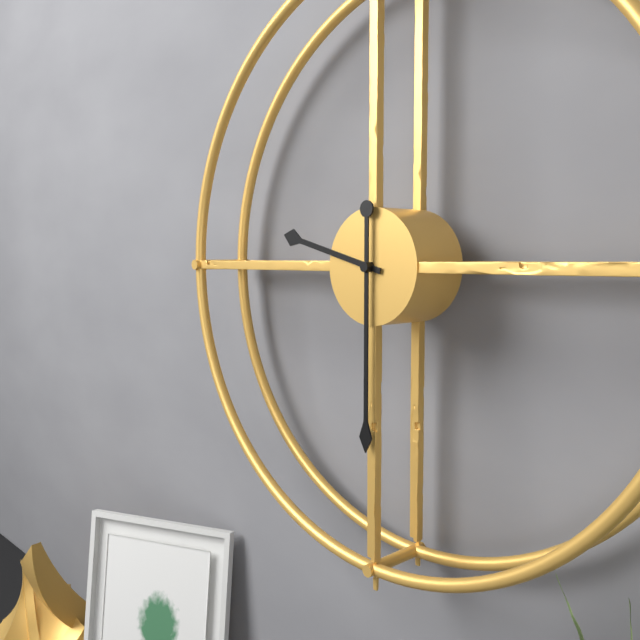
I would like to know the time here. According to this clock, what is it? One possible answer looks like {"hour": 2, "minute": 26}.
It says {"hour": 9, "minute": 30}
